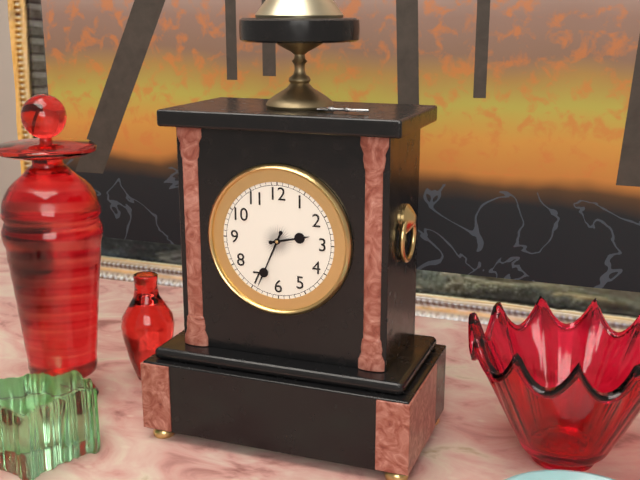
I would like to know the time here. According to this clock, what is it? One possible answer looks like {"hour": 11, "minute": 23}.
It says {"hour": 2, "minute": 34}
